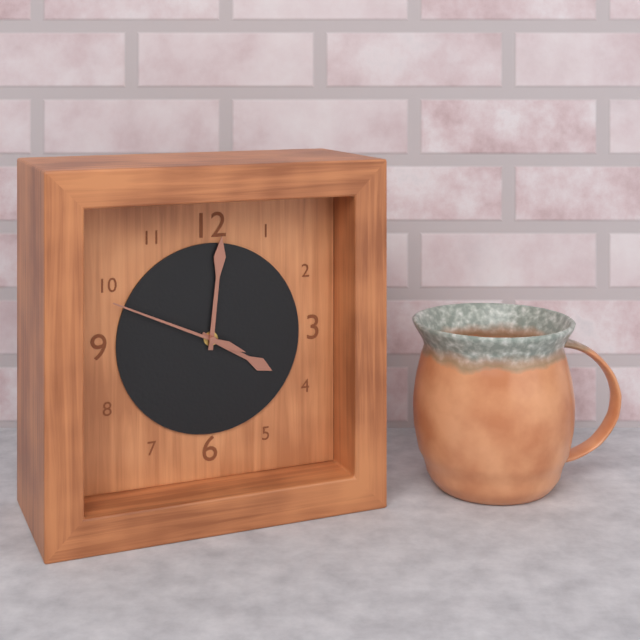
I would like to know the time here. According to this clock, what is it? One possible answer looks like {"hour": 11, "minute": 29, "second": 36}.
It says {"hour": 4, "minute": 1, "second": 49}
